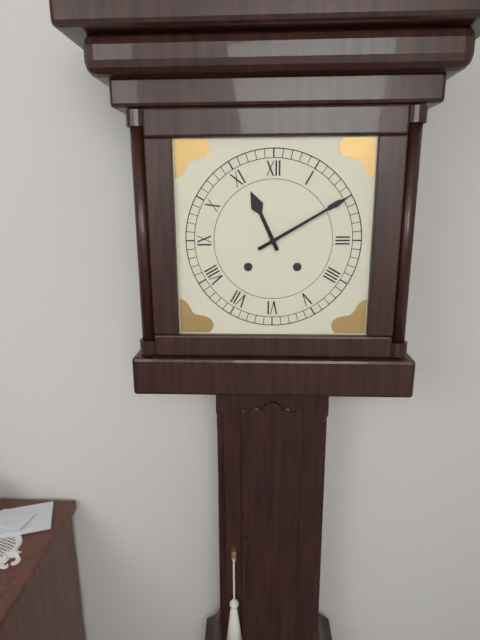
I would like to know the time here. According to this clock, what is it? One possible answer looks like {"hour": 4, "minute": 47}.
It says {"hour": 11, "minute": 10}
